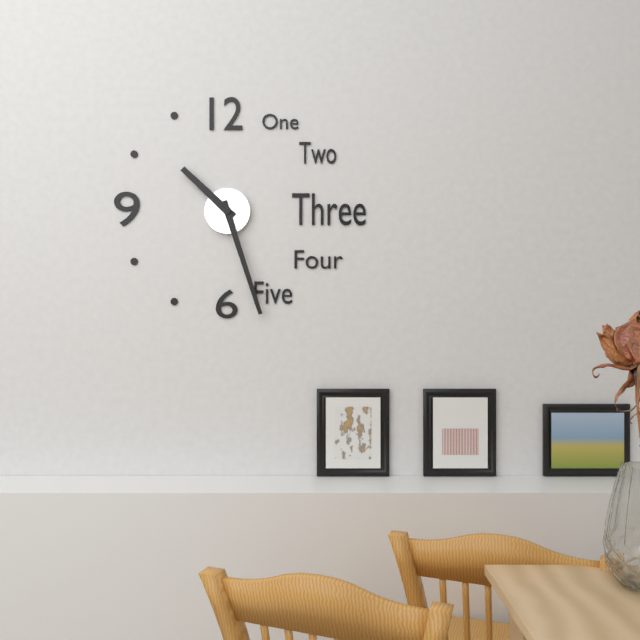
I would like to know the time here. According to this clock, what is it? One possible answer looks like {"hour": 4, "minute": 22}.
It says {"hour": 10, "minute": 27}
